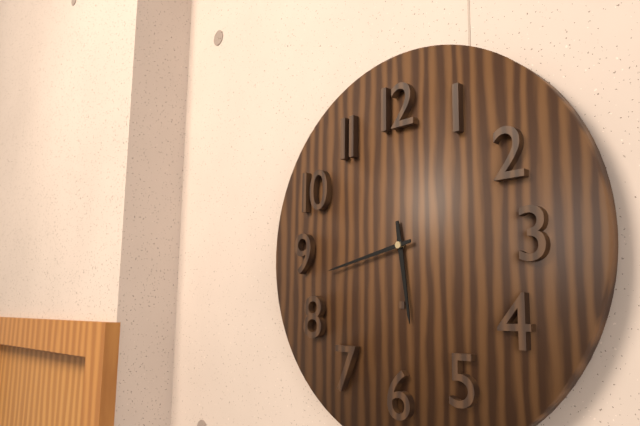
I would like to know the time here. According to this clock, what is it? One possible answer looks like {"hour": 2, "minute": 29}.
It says {"hour": 5, "minute": 43}
